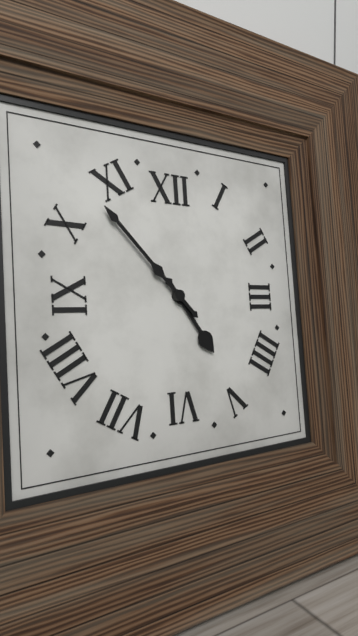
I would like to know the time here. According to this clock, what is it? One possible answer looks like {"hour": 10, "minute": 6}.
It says {"hour": 4, "minute": 53}
